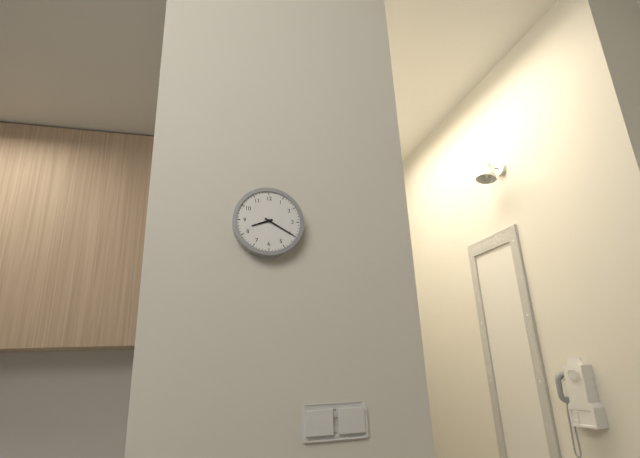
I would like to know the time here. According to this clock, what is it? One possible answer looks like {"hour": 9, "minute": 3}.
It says {"hour": 8, "minute": 20}
